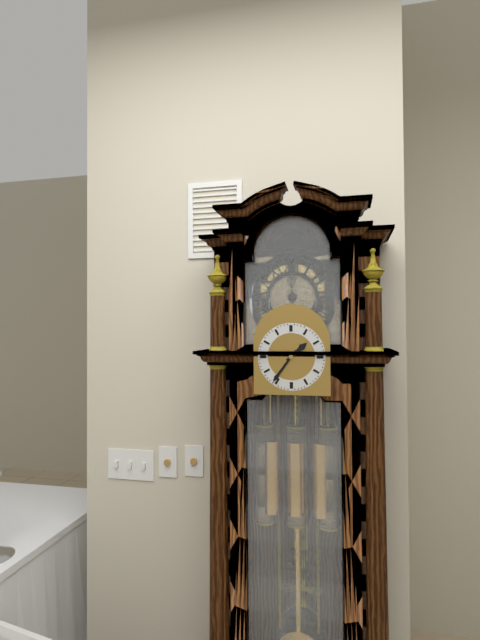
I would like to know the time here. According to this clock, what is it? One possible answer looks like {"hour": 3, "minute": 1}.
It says {"hour": 1, "minute": 36}
